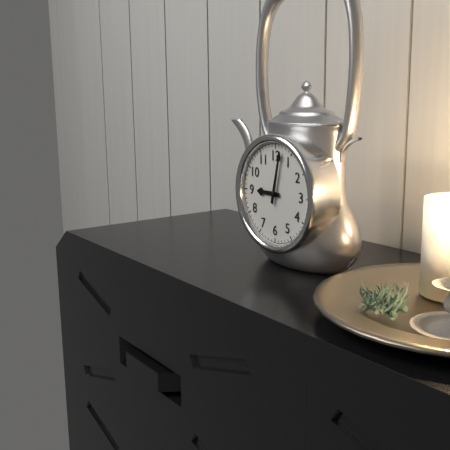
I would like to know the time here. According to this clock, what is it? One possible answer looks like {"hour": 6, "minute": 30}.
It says {"hour": 9, "minute": 2}
